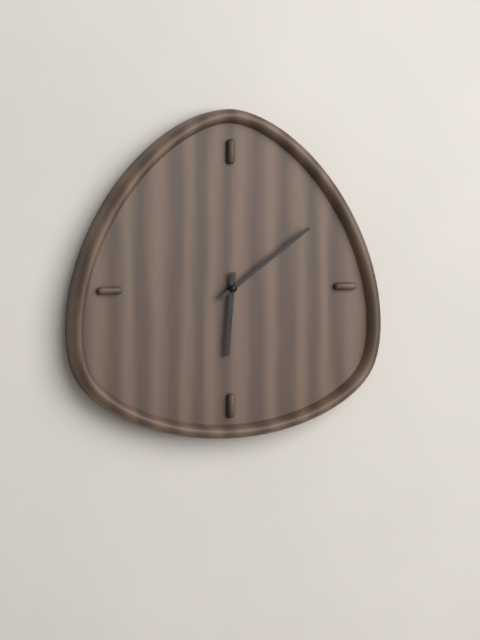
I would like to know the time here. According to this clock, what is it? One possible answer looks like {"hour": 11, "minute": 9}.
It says {"hour": 6, "minute": 9}
